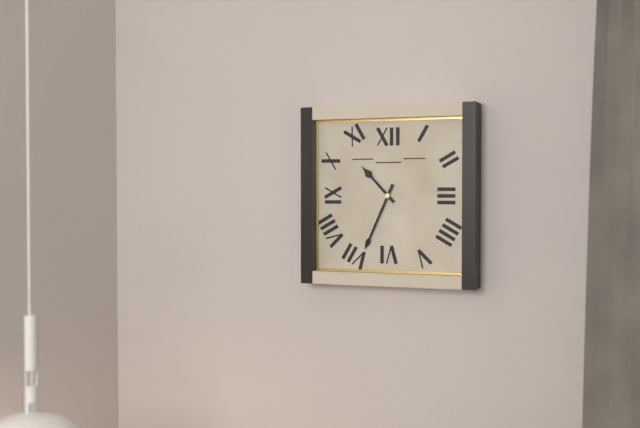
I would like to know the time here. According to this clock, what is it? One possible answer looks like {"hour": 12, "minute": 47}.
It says {"hour": 10, "minute": 34}
